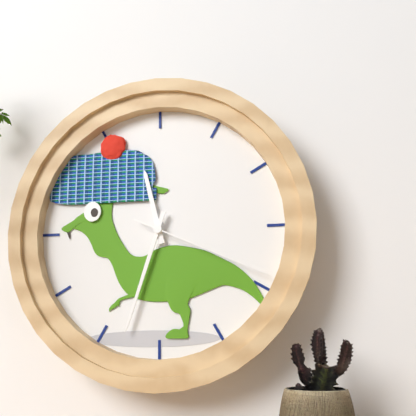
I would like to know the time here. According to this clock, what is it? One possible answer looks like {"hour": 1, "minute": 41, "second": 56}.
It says {"hour": 11, "minute": 33, "second": 19}
